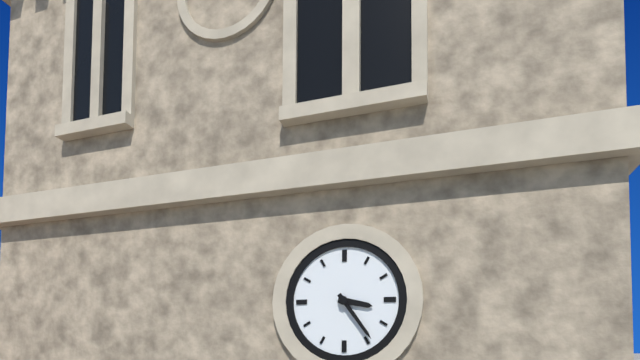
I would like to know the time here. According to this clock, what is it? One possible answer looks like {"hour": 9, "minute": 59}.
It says {"hour": 3, "minute": 24}
